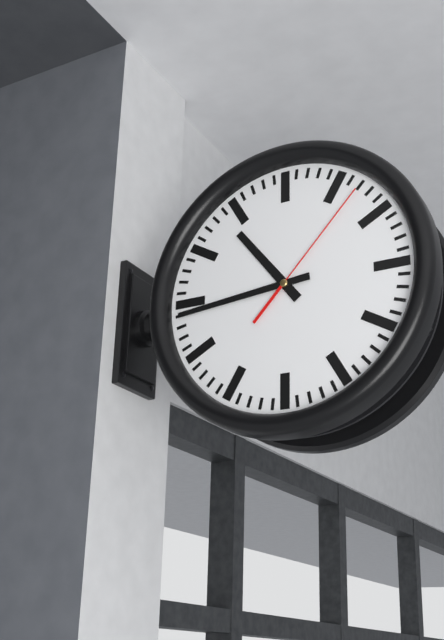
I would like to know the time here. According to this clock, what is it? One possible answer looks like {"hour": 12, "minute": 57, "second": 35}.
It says {"hour": 10, "minute": 44, "second": 7}
